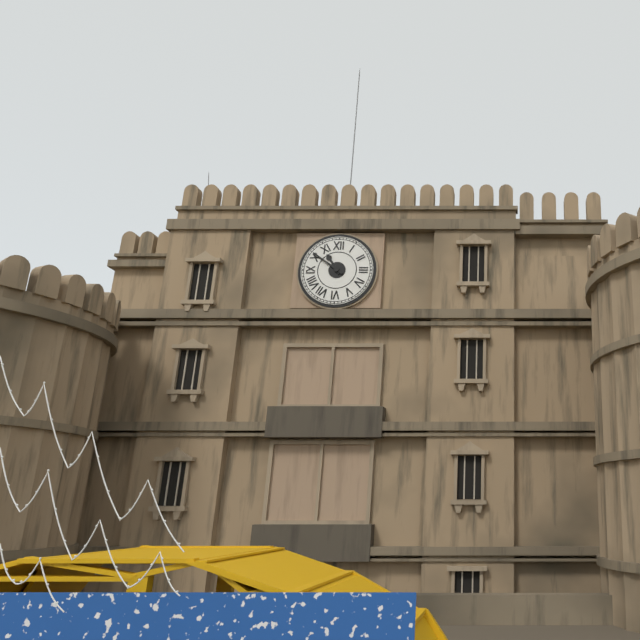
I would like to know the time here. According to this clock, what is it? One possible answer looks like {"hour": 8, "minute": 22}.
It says {"hour": 10, "minute": 51}
